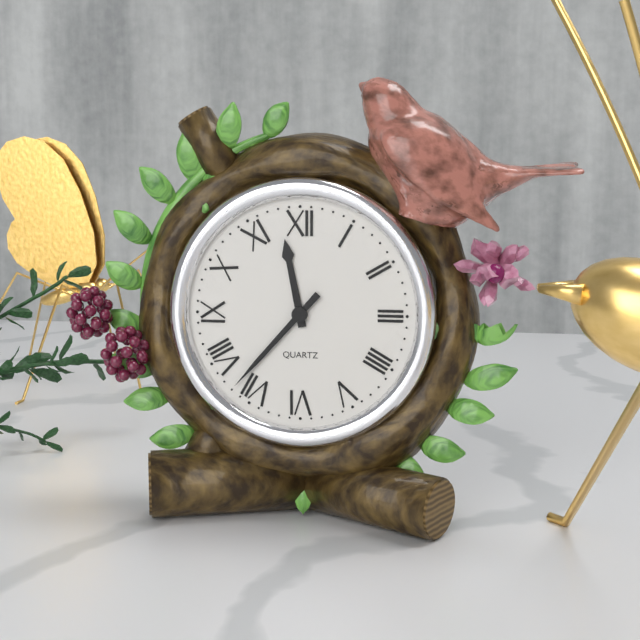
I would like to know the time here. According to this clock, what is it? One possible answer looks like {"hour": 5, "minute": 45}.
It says {"hour": 11, "minute": 37}
